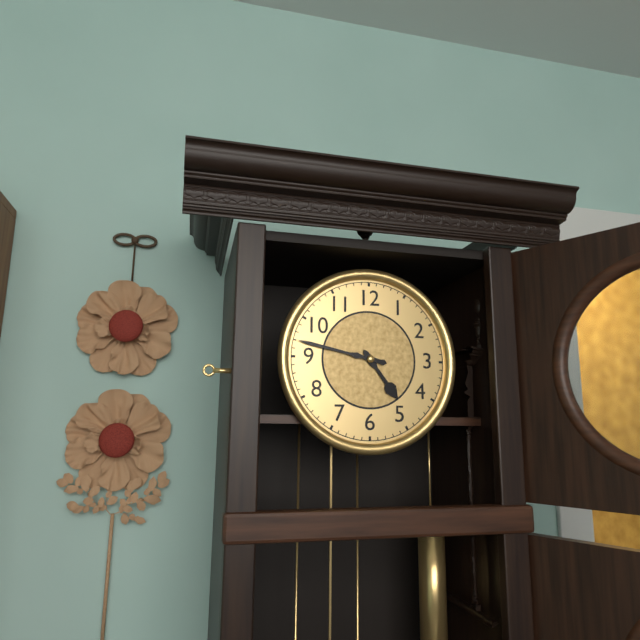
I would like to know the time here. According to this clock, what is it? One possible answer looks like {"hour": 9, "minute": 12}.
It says {"hour": 4, "minute": 47}
